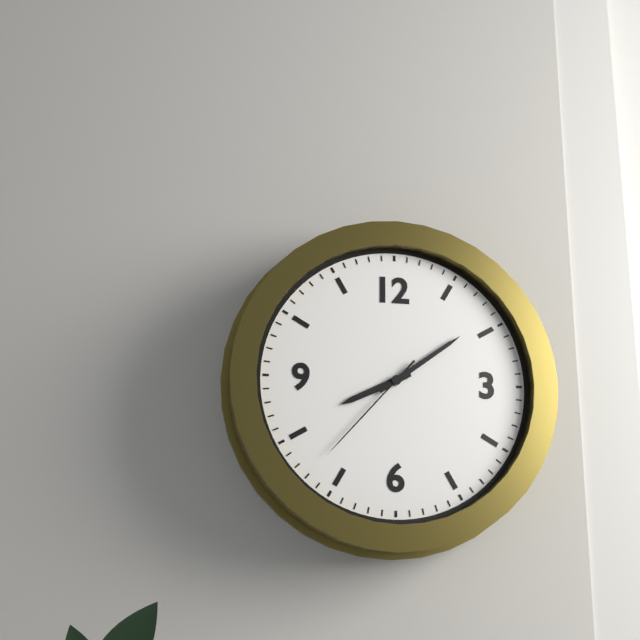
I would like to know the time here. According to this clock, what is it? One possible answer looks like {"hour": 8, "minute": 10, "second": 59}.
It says {"hour": 8, "minute": 9, "second": 37}
